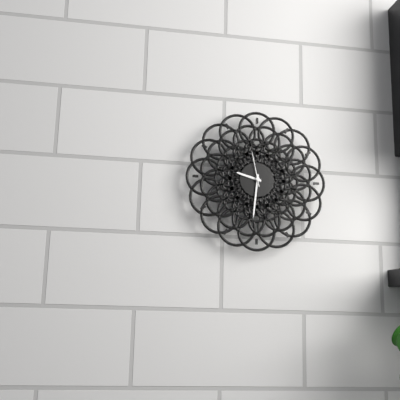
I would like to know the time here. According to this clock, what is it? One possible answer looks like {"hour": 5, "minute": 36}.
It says {"hour": 9, "minute": 31}
